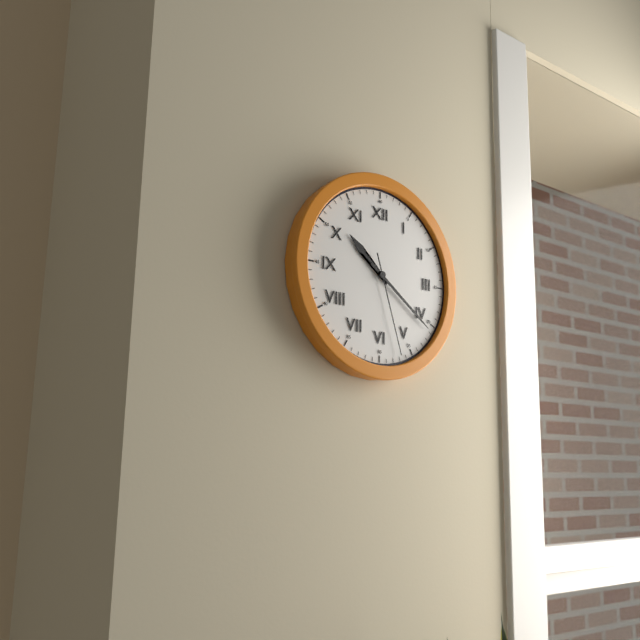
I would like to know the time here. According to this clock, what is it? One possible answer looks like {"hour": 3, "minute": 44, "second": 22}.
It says {"hour": 10, "minute": 21, "second": 27}
